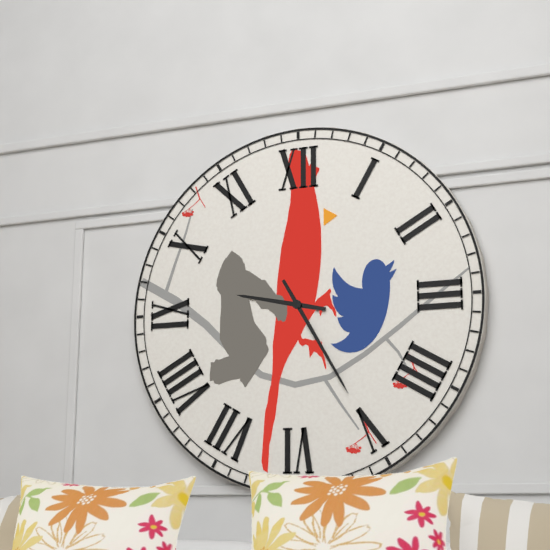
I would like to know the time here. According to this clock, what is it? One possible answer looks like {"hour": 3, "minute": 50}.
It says {"hour": 9, "minute": 25}
